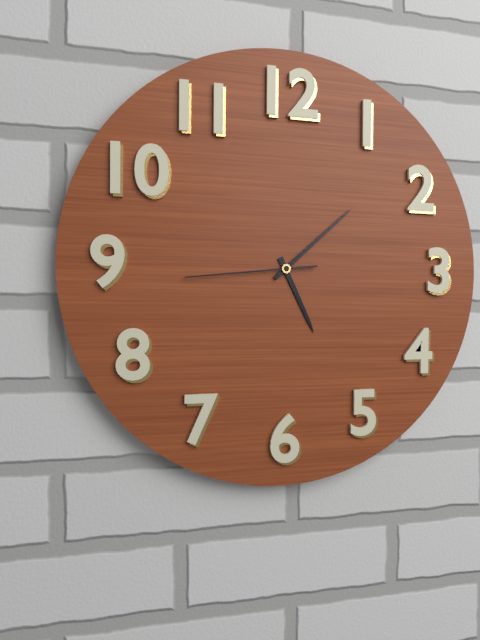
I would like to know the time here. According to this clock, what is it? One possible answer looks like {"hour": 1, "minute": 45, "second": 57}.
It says {"hour": 5, "minute": 8, "second": 44}
